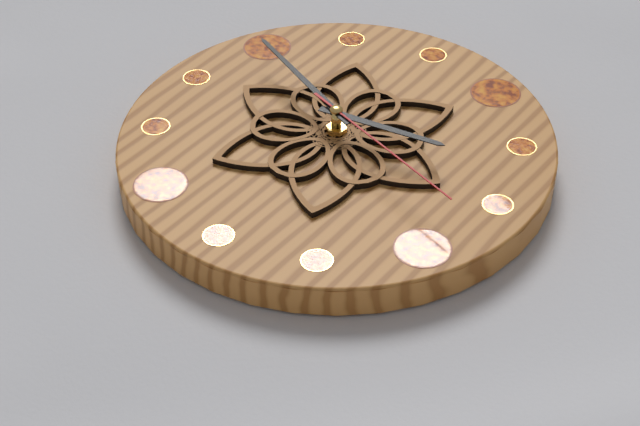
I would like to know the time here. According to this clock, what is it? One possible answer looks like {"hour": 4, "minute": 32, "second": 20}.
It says {"hour": 1, "minute": 44, "second": 13}
